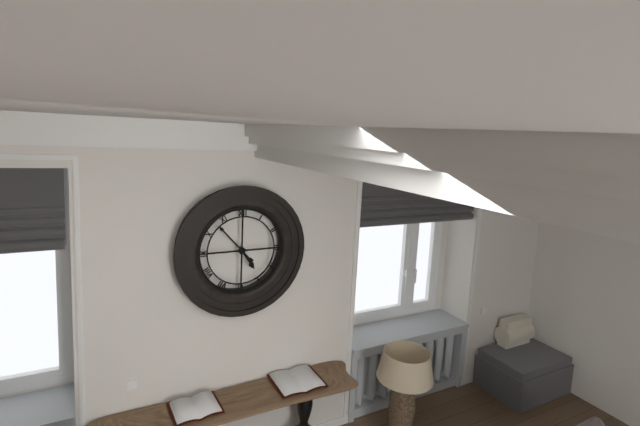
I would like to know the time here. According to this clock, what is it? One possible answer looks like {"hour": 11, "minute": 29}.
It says {"hour": 4, "minute": 53}
